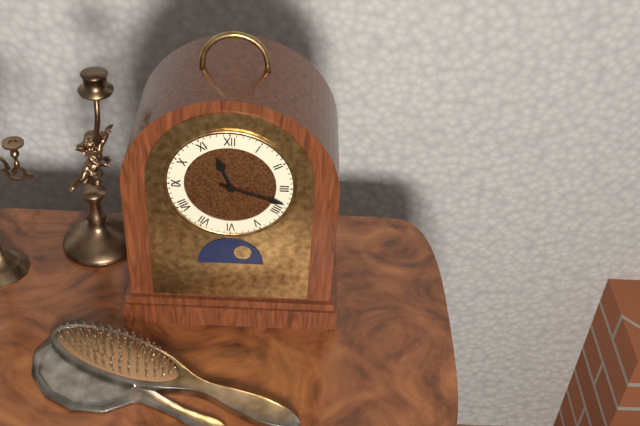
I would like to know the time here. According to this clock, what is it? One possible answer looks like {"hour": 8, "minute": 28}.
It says {"hour": 11, "minute": 18}
